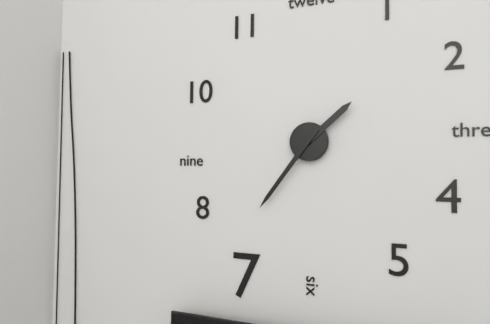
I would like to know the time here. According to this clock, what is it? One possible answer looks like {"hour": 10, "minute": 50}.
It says {"hour": 1, "minute": 36}
